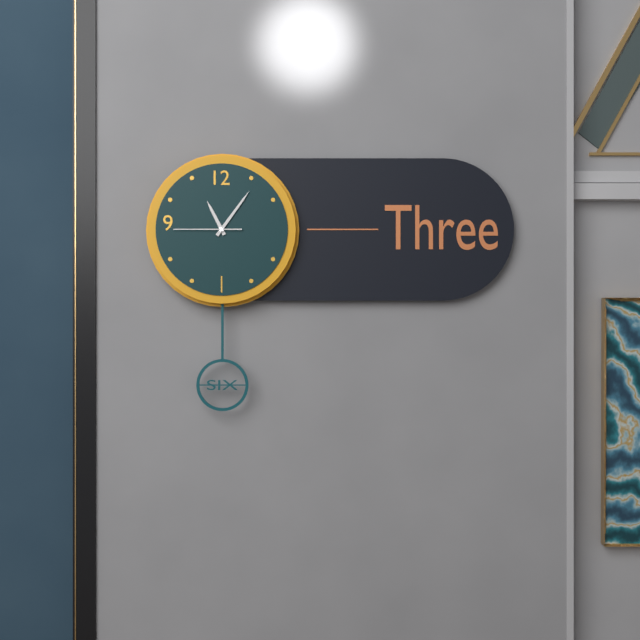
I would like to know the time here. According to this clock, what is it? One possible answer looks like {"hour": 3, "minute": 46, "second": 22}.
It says {"hour": 11, "minute": 6, "second": 45}
